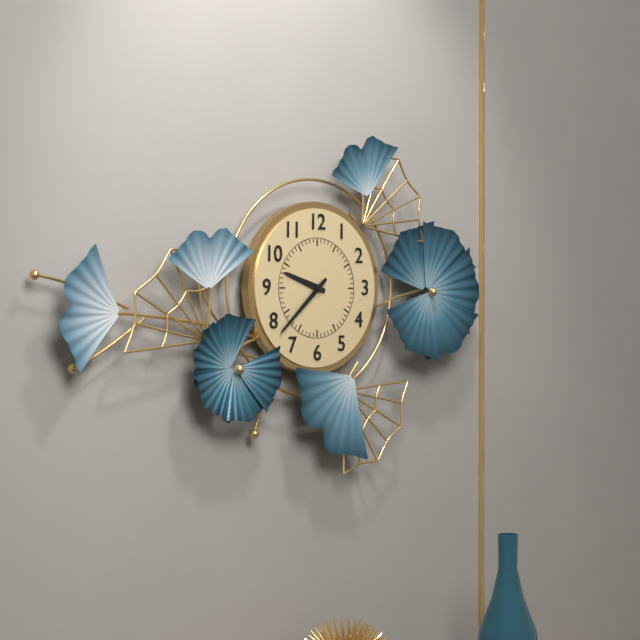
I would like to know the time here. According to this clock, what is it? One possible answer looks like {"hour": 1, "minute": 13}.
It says {"hour": 9, "minute": 38}
